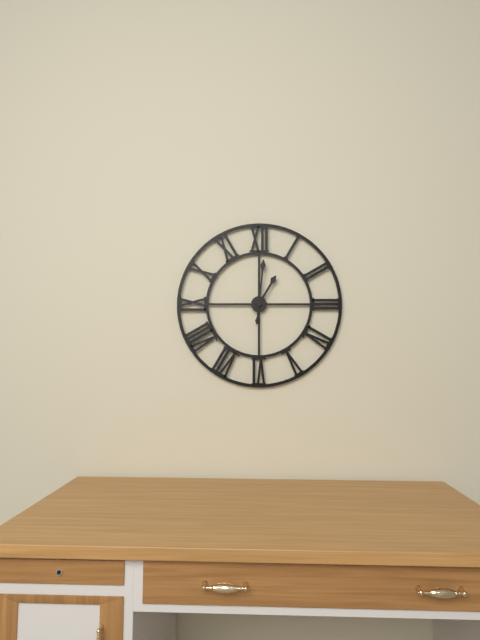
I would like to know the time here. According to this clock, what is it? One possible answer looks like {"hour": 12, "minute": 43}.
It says {"hour": 1, "minute": 1}
